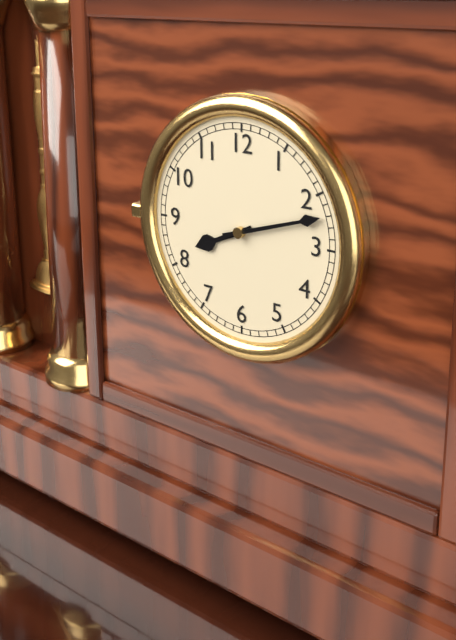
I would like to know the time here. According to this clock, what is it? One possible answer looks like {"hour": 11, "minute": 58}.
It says {"hour": 8, "minute": 12}
